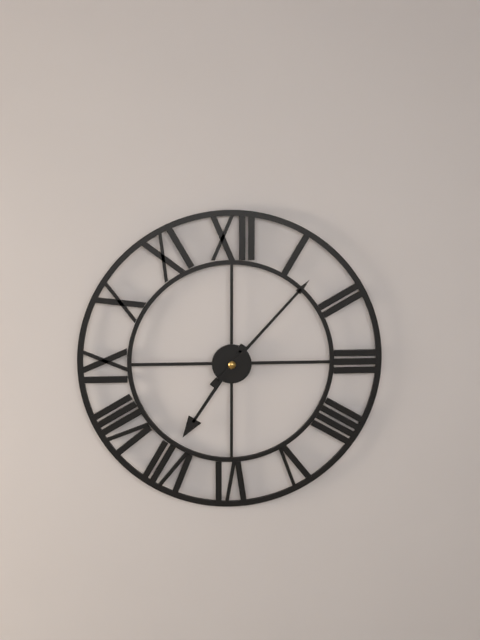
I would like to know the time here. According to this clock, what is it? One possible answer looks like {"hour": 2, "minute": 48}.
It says {"hour": 7, "minute": 7}
